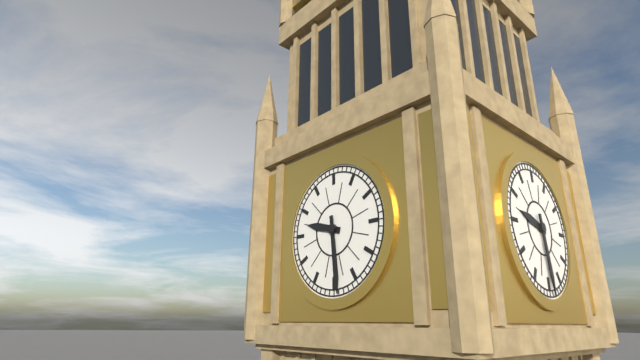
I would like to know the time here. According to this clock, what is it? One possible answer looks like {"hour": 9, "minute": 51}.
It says {"hour": 9, "minute": 29}
